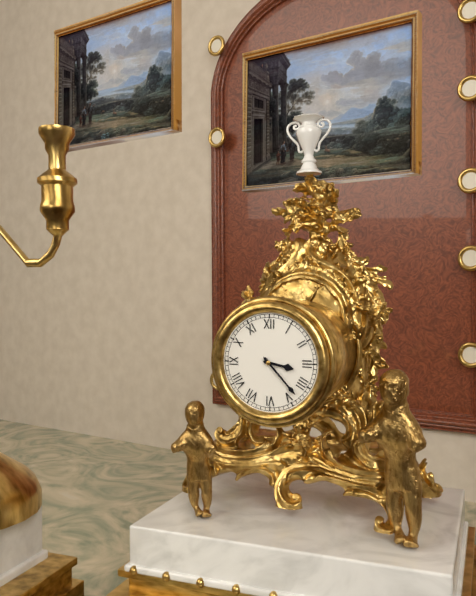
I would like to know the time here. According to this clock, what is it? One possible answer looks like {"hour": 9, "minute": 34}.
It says {"hour": 3, "minute": 23}
